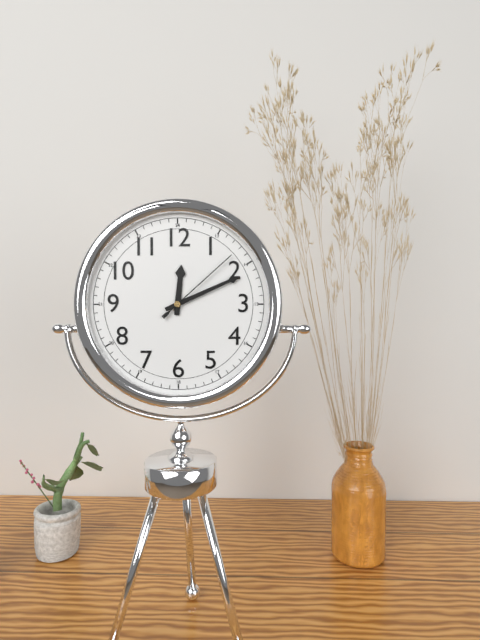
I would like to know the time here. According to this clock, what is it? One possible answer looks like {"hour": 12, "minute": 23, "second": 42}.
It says {"hour": 12, "minute": 11, "second": 8}
